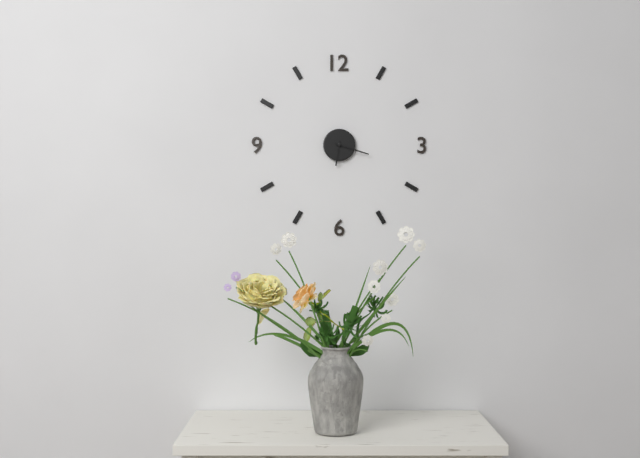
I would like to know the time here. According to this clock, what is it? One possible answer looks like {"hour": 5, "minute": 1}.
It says {"hour": 6, "minute": 18}
